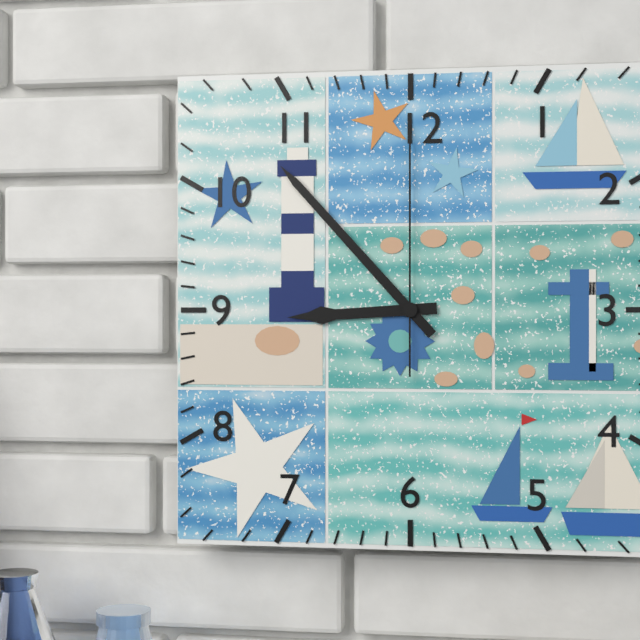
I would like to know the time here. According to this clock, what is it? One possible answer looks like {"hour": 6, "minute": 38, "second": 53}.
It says {"hour": 8, "minute": 53, "second": 0}
